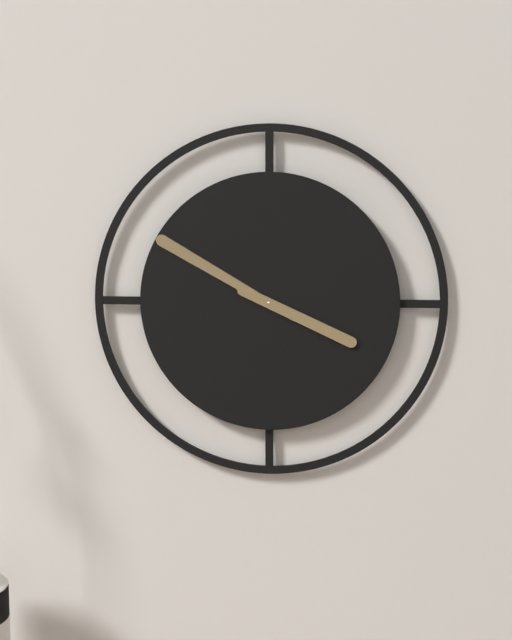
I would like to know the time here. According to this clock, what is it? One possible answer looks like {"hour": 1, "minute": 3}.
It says {"hour": 3, "minute": 50}
